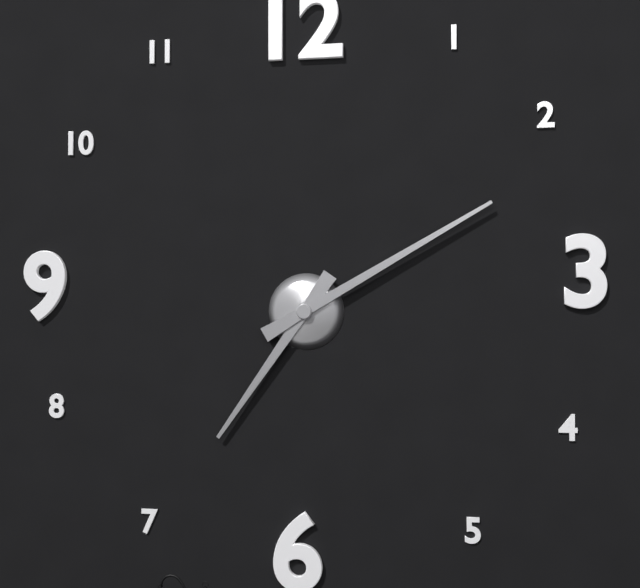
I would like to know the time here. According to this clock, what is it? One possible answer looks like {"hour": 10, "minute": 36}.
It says {"hour": 7, "minute": 10}
